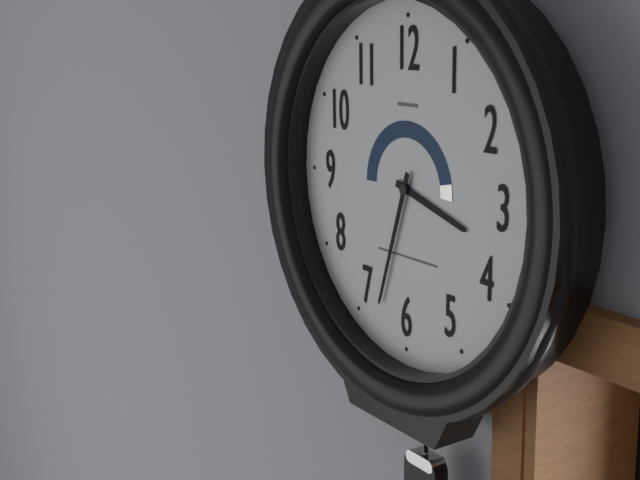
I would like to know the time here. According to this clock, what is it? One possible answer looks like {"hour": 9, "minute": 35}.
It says {"hour": 3, "minute": 33}
